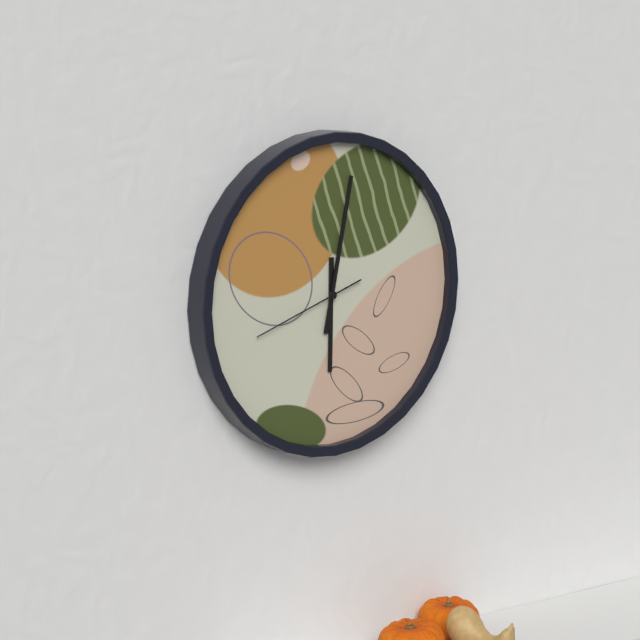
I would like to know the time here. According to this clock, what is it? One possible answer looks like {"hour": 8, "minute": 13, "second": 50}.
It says {"hour": 6, "minute": 2, "second": 42}
